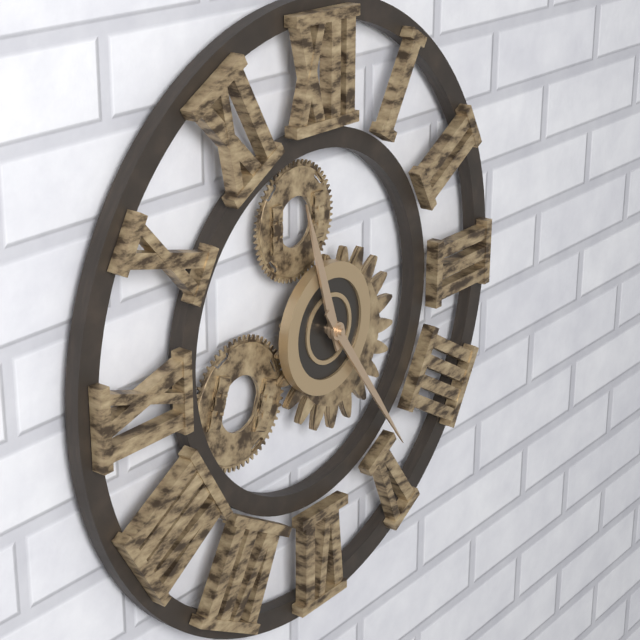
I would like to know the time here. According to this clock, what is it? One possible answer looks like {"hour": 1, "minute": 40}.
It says {"hour": 11, "minute": 24}
